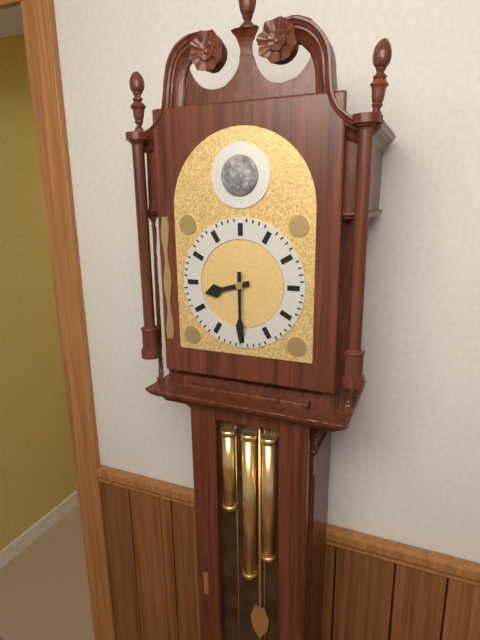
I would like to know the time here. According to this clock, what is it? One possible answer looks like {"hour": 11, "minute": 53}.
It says {"hour": 8, "minute": 30}
